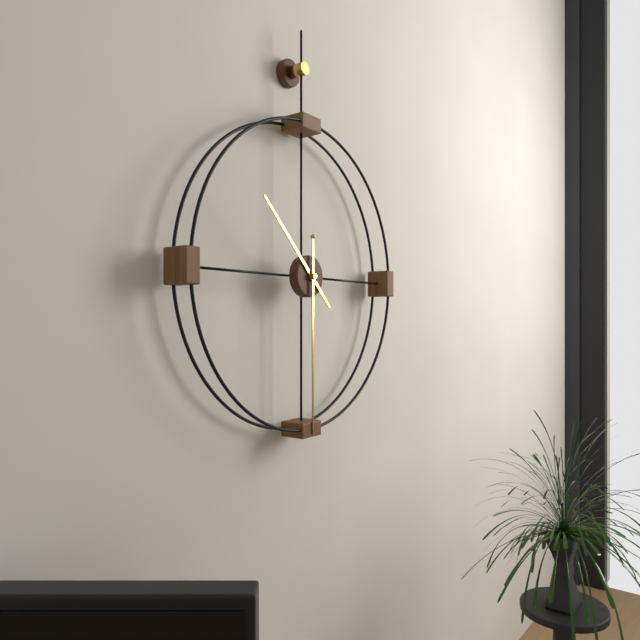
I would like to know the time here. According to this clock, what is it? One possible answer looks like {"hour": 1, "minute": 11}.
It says {"hour": 10, "minute": 30}
